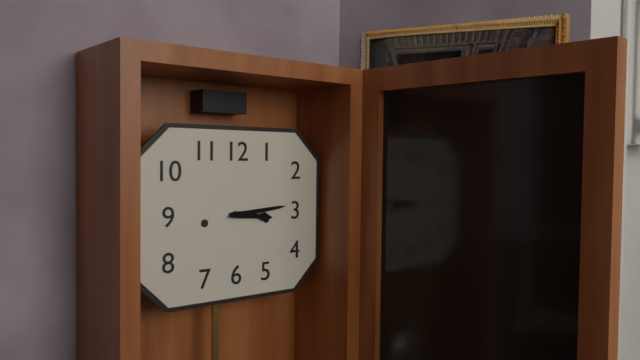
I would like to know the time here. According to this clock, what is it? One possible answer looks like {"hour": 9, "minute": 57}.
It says {"hour": 3, "minute": 14}
